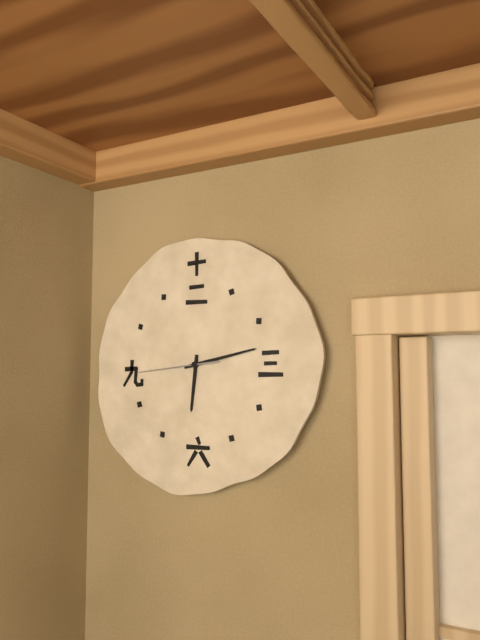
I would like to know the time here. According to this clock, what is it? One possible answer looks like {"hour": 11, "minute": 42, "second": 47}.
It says {"hour": 6, "minute": 13, "second": 44}
